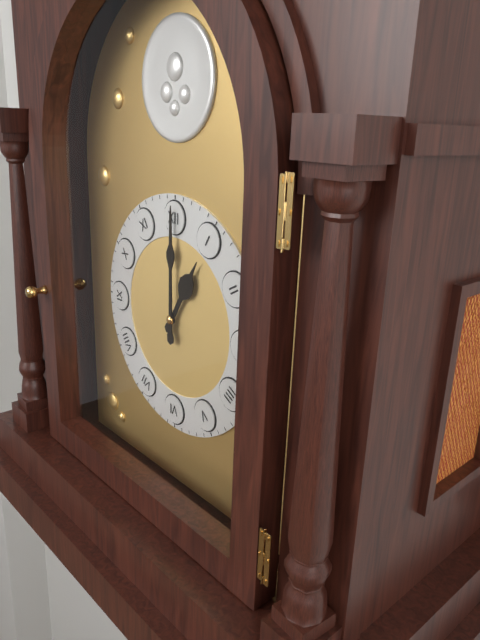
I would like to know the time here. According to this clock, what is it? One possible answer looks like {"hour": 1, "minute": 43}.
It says {"hour": 1, "minute": 0}
